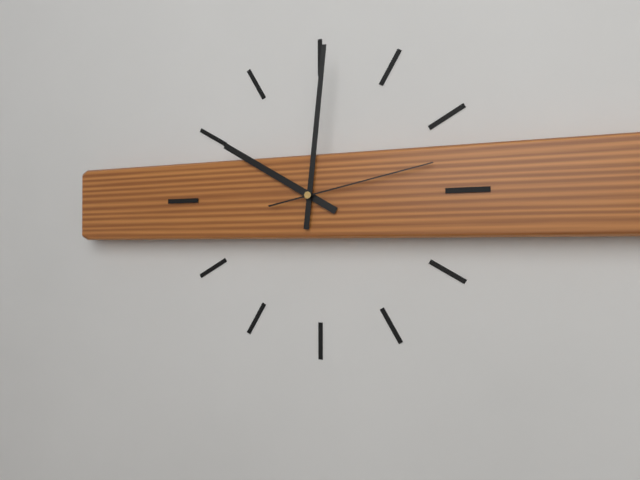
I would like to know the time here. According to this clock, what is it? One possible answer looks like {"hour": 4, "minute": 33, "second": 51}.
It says {"hour": 10, "minute": 1, "second": 13}
